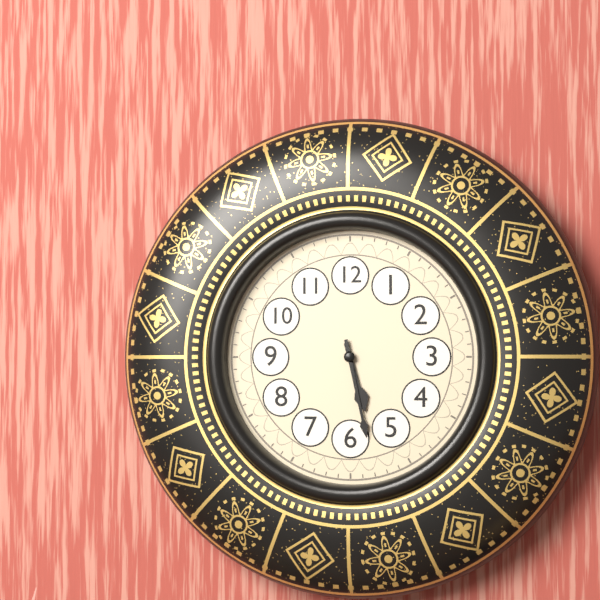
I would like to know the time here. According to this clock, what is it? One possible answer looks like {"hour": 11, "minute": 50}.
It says {"hour": 5, "minute": 28}
